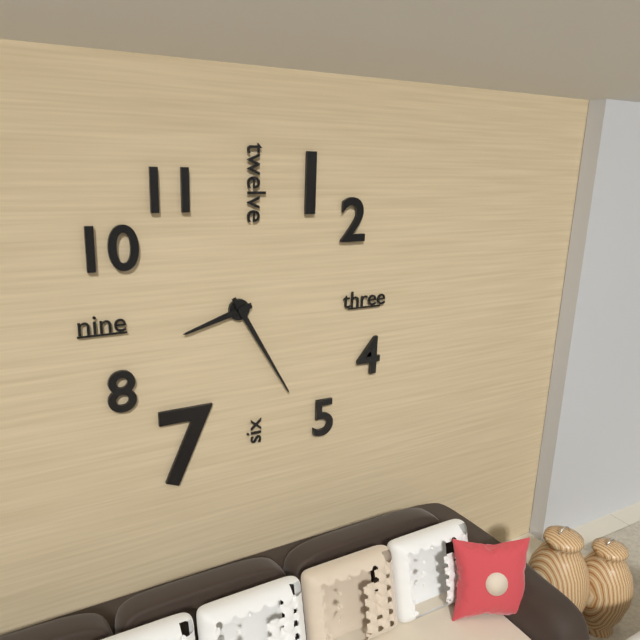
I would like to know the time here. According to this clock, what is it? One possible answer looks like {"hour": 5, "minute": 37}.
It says {"hour": 8, "minute": 25}
